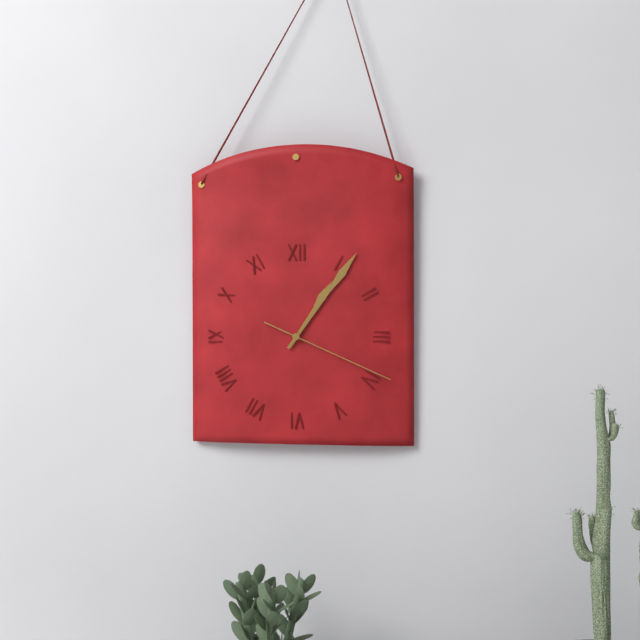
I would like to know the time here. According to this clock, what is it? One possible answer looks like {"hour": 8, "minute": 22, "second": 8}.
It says {"hour": 1, "minute": 6, "second": 19}
